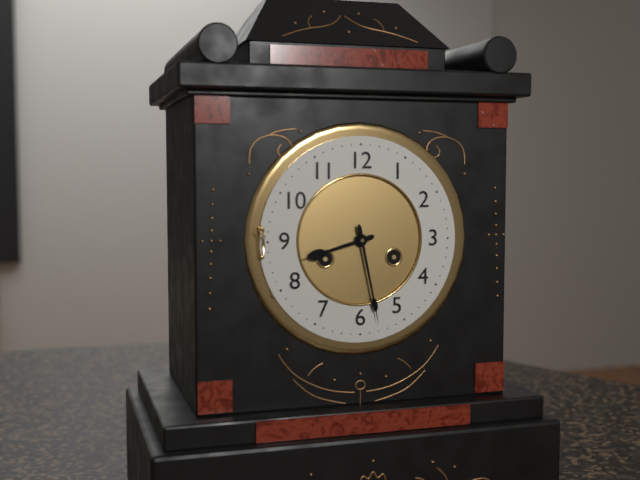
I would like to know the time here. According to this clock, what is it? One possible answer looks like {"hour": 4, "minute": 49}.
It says {"hour": 8, "minute": 28}
